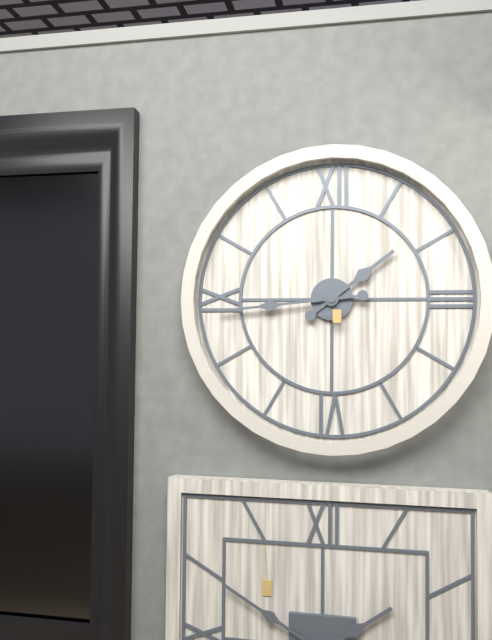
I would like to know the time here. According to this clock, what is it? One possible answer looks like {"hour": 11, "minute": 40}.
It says {"hour": 1, "minute": 44}
